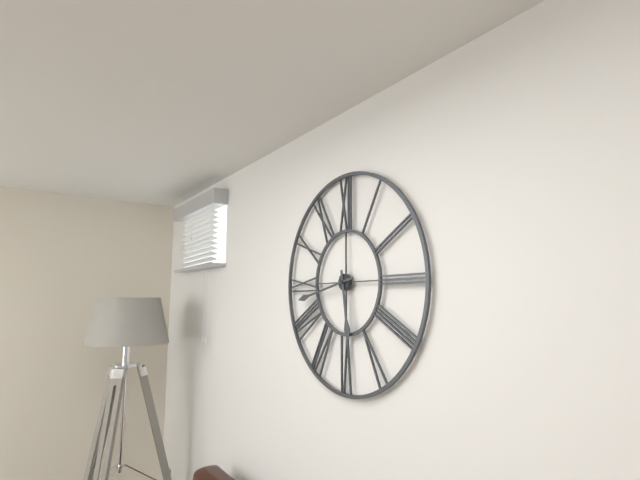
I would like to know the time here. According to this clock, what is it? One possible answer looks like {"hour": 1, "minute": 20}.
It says {"hour": 5, "minute": 43}
